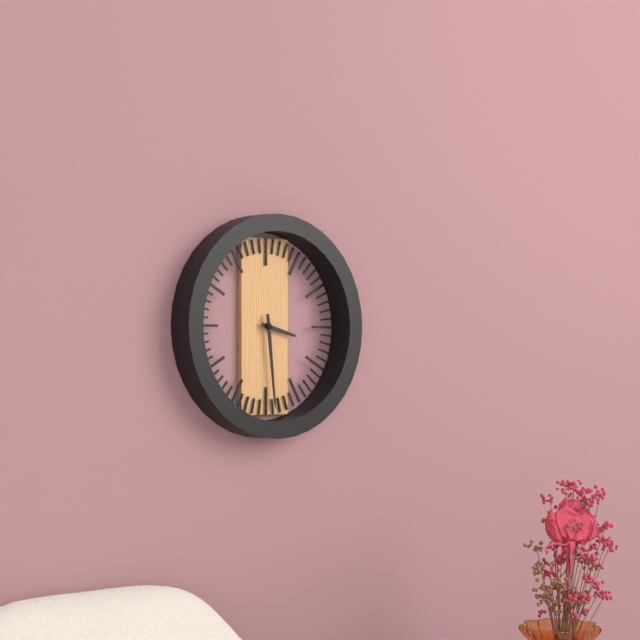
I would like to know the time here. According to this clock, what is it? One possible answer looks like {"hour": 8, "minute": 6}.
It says {"hour": 3, "minute": 29}
